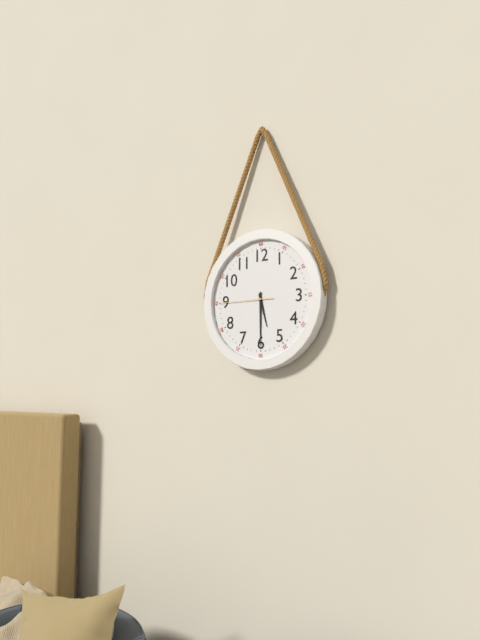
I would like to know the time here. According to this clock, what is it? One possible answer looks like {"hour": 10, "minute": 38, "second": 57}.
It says {"hour": 5, "minute": 30, "second": 45}
